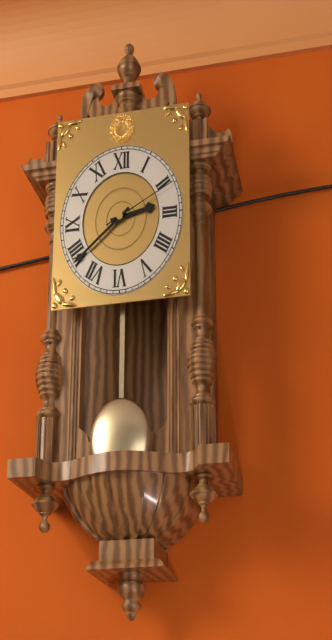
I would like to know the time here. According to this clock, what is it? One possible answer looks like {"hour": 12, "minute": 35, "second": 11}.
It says {"hour": 2, "minute": 39, "second": 11}
